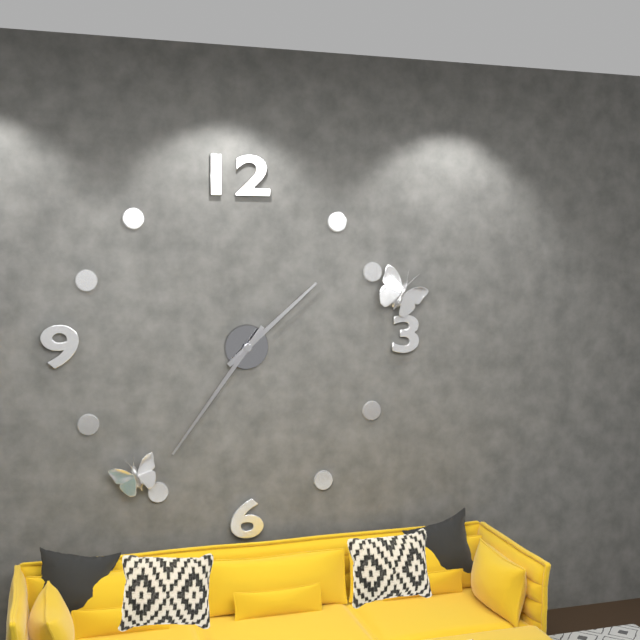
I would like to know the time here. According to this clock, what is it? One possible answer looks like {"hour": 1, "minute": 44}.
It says {"hour": 1, "minute": 36}
